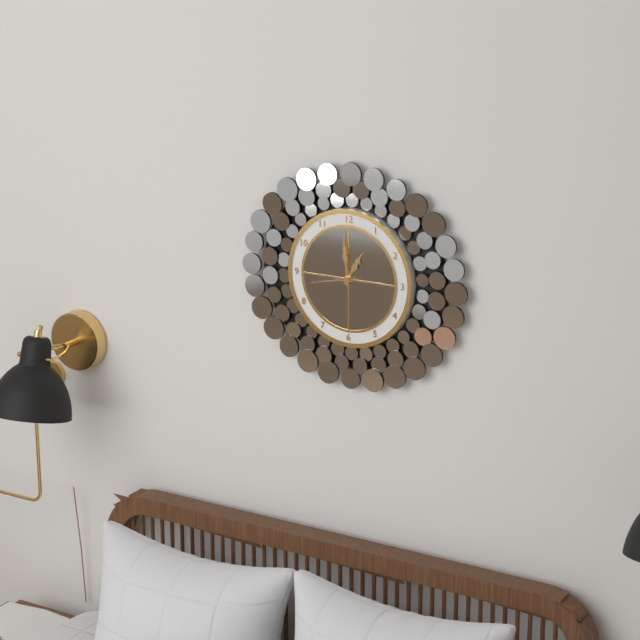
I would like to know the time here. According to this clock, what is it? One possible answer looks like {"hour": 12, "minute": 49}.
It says {"hour": 12, "minute": 59}
